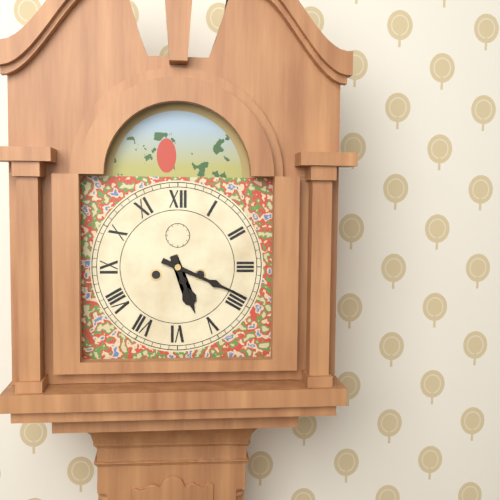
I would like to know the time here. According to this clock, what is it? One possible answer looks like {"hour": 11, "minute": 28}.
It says {"hour": 5, "minute": 19}
